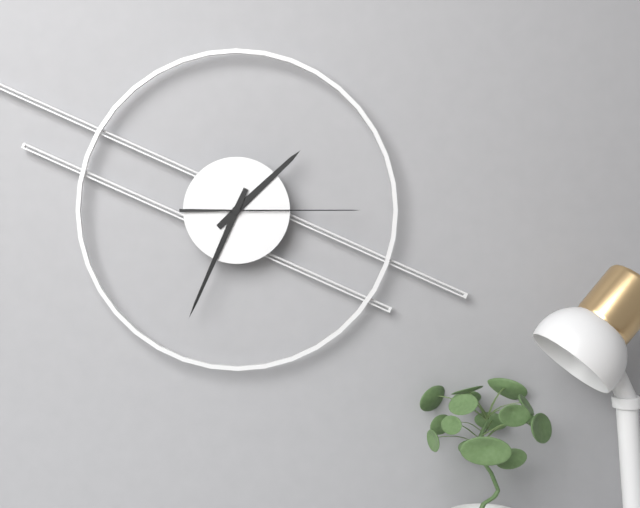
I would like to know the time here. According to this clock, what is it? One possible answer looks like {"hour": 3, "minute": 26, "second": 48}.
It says {"hour": 1, "minute": 34, "second": 15}
